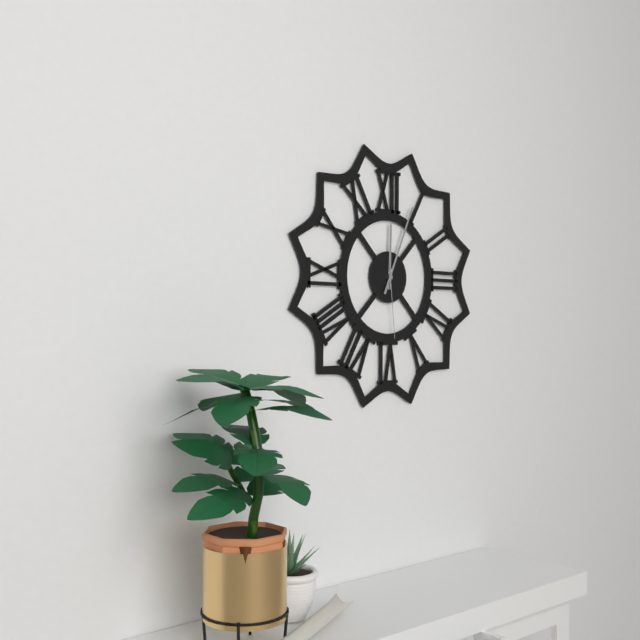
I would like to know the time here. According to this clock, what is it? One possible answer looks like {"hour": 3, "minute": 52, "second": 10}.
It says {"hour": 12, "minute": 4, "second": 29}
